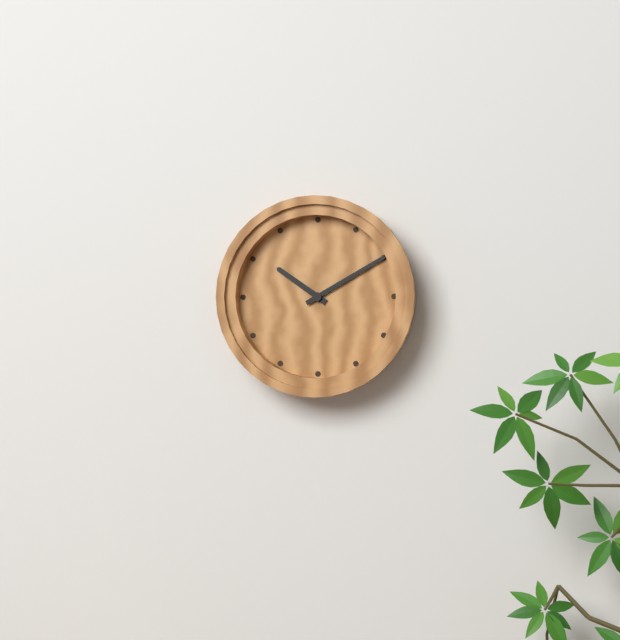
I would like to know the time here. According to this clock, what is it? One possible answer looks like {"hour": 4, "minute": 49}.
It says {"hour": 10, "minute": 10}
